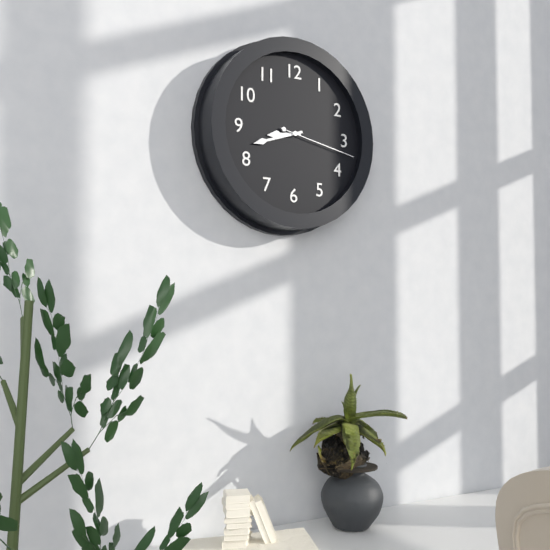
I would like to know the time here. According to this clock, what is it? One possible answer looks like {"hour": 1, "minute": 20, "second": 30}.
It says {"hour": 8, "minute": 42, "second": 17}
